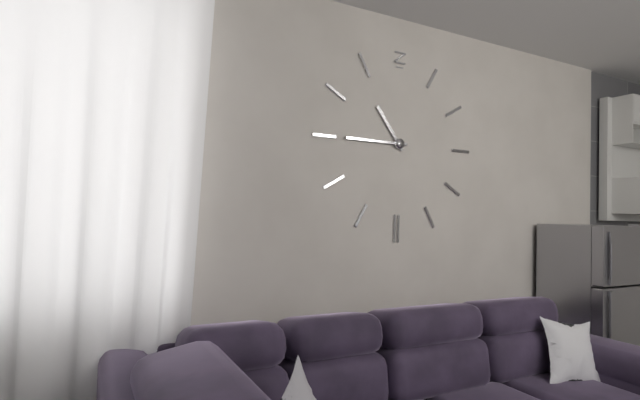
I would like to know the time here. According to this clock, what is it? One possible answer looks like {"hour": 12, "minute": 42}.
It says {"hour": 10, "minute": 45}
